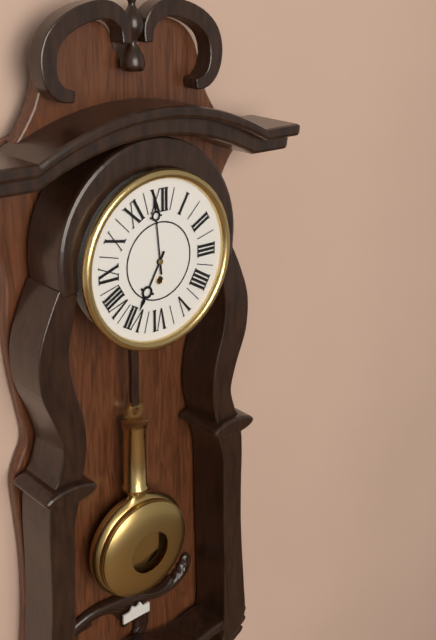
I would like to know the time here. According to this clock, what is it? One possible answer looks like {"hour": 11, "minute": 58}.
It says {"hour": 6, "minute": 59}
